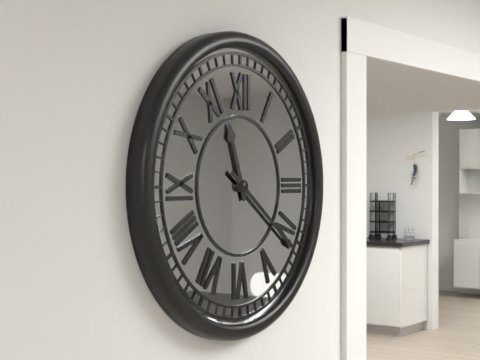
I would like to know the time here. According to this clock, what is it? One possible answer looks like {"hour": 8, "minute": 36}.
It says {"hour": 11, "minute": 21}
